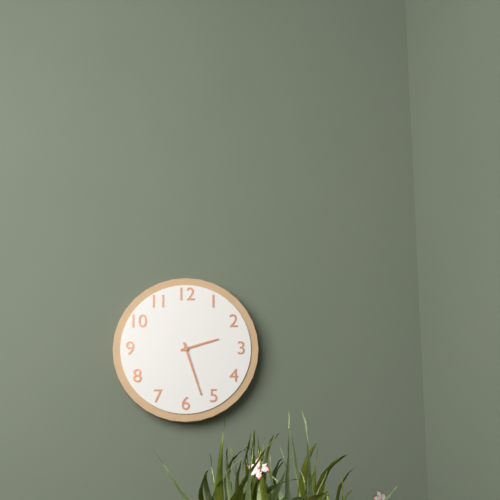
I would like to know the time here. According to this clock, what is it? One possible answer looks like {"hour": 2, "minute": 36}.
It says {"hour": 2, "minute": 27}
